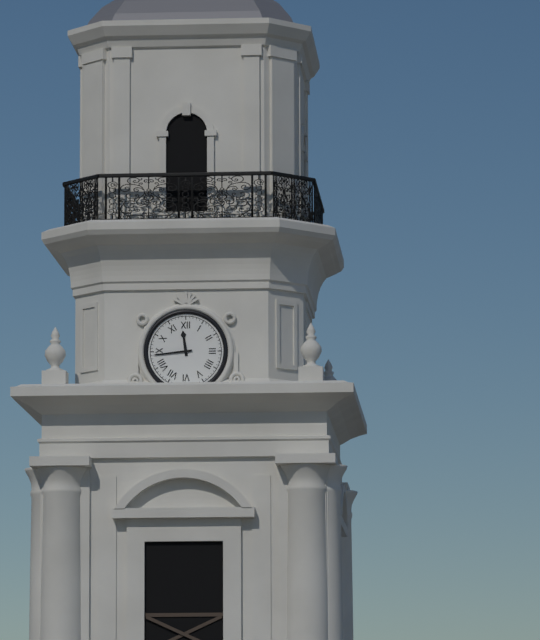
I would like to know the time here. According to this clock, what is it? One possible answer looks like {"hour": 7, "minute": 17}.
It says {"hour": 11, "minute": 44}
